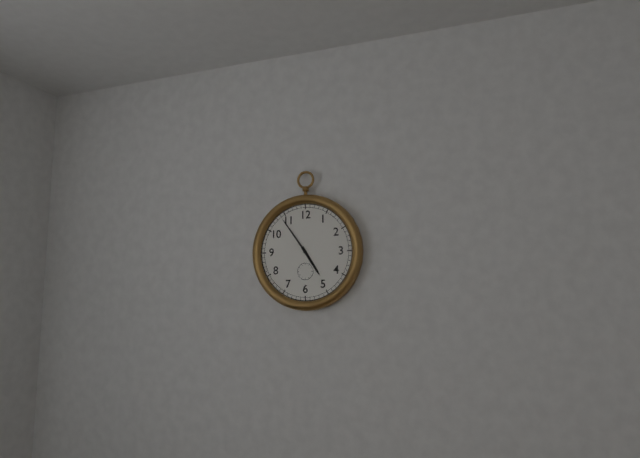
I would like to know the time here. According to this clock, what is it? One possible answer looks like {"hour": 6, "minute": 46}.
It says {"hour": 4, "minute": 54}
